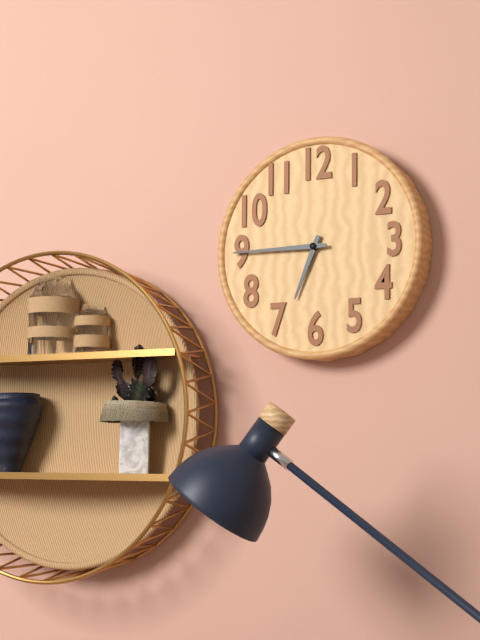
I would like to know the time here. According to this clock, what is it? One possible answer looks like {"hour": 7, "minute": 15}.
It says {"hour": 6, "minute": 45}
